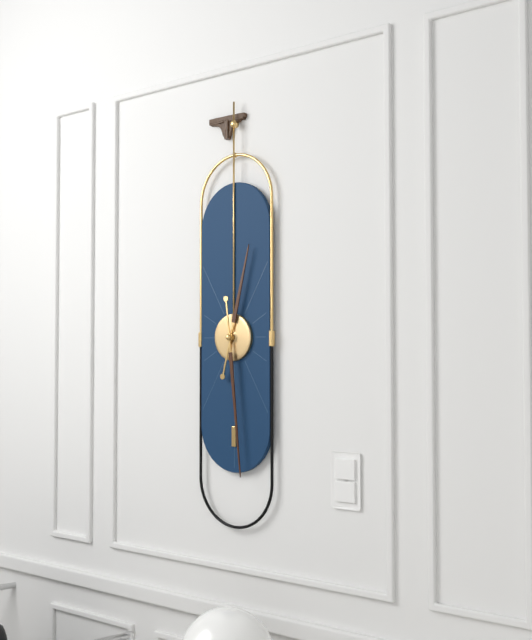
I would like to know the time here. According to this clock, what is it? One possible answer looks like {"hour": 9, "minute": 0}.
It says {"hour": 12, "minute": 29}
